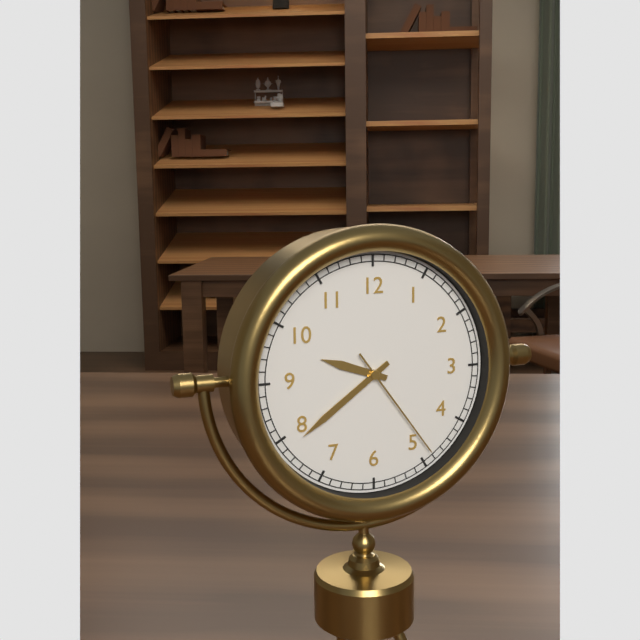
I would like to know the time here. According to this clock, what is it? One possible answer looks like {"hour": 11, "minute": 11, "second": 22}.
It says {"hour": 9, "minute": 39, "second": 24}
